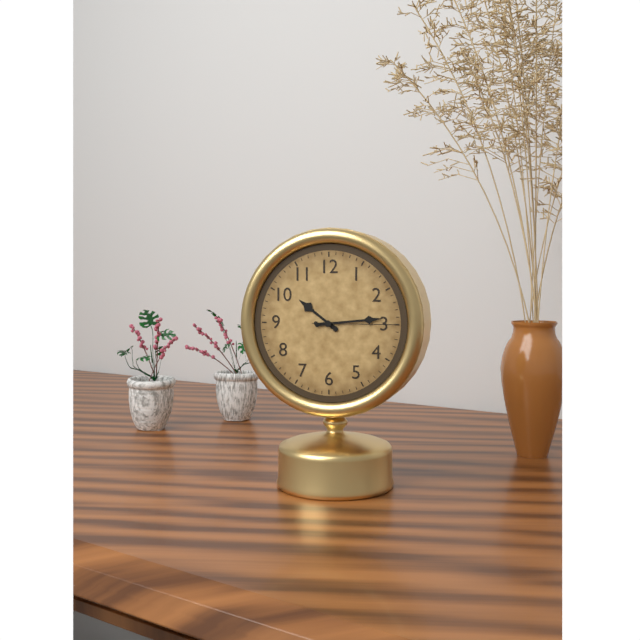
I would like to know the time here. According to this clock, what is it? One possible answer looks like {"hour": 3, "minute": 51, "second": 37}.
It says {"hour": 10, "minute": 14, "second": 15}
